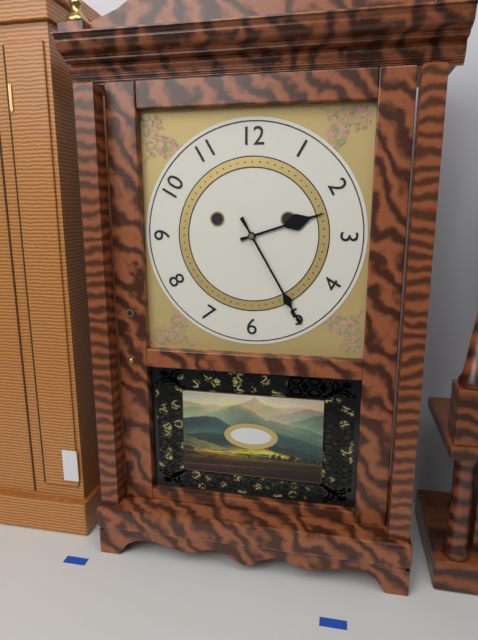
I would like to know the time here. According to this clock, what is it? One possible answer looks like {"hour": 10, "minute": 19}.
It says {"hour": 2, "minute": 25}
